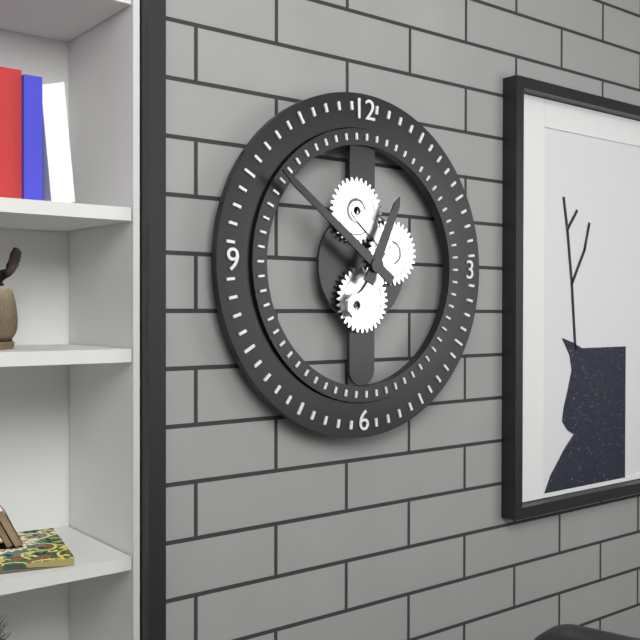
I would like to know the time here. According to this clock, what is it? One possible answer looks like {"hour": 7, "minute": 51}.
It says {"hour": 12, "minute": 51}
